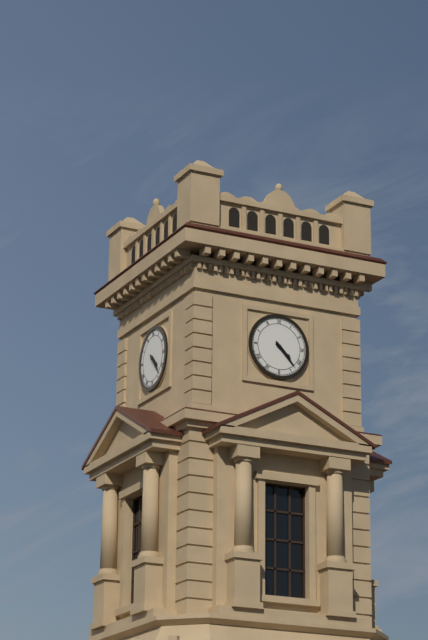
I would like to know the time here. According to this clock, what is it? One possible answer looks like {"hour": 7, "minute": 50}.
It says {"hour": 4, "minute": 23}
